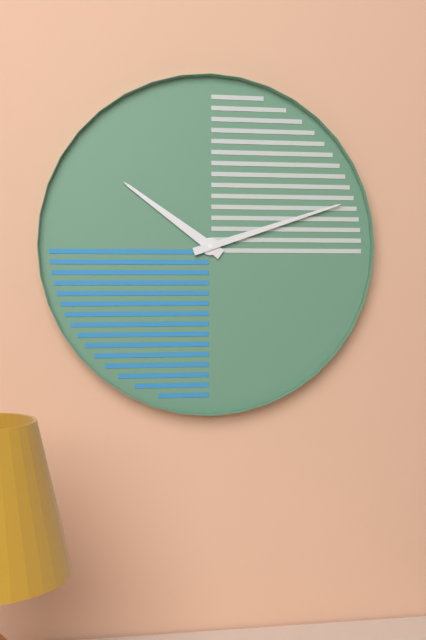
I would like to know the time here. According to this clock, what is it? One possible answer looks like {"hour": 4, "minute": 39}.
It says {"hour": 10, "minute": 12}
